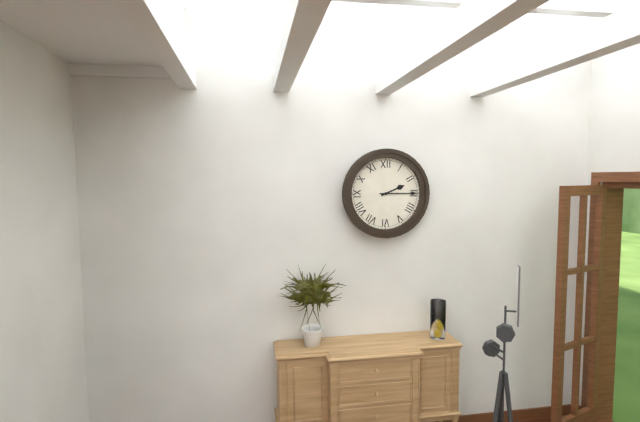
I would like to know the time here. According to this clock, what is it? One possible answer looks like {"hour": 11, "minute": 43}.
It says {"hour": 2, "minute": 15}
